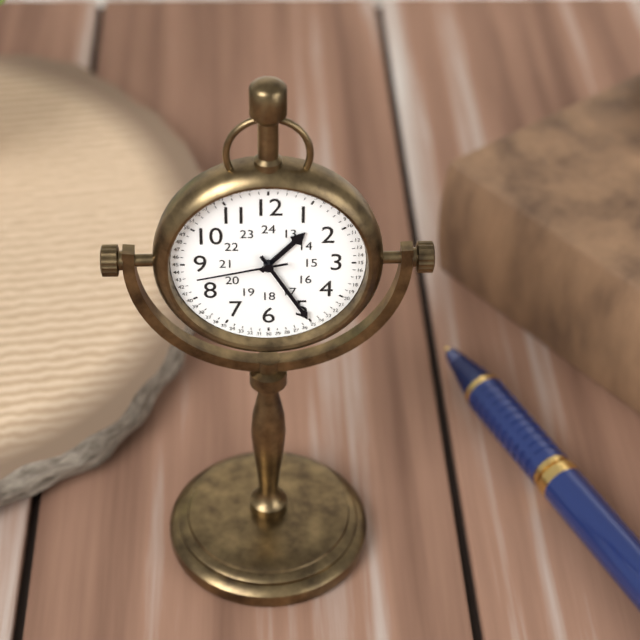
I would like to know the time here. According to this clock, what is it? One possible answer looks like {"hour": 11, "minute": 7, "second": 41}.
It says {"hour": 1, "minute": 25, "second": 43}
